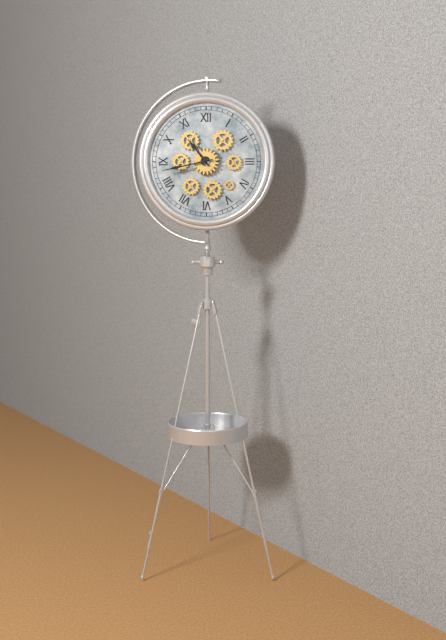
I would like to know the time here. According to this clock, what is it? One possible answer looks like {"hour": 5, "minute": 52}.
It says {"hour": 10, "minute": 43}
